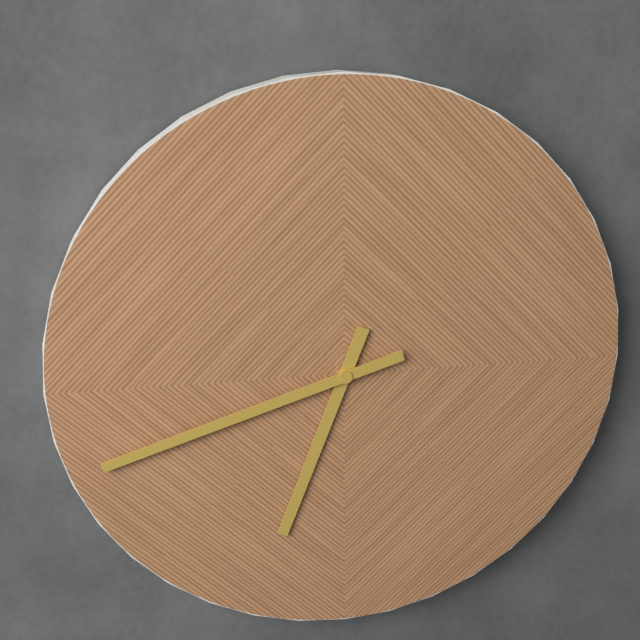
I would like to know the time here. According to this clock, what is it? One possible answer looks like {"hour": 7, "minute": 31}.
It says {"hour": 6, "minute": 42}
